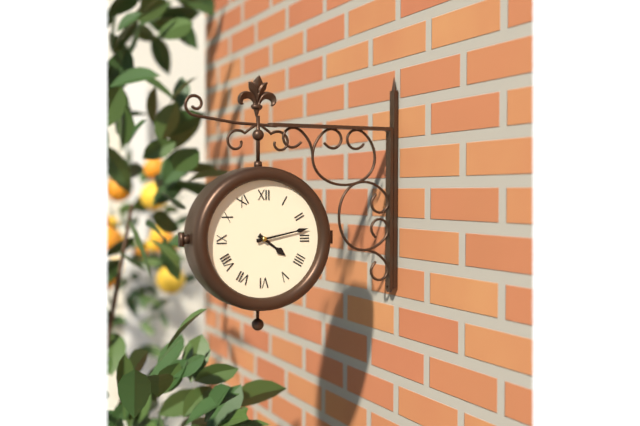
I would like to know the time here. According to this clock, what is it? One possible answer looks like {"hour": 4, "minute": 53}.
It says {"hour": 4, "minute": 13}
